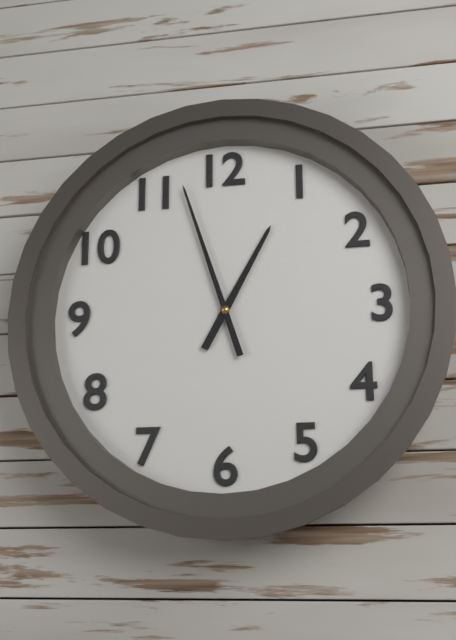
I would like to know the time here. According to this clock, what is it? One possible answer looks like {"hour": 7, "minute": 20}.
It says {"hour": 12, "minute": 57}
